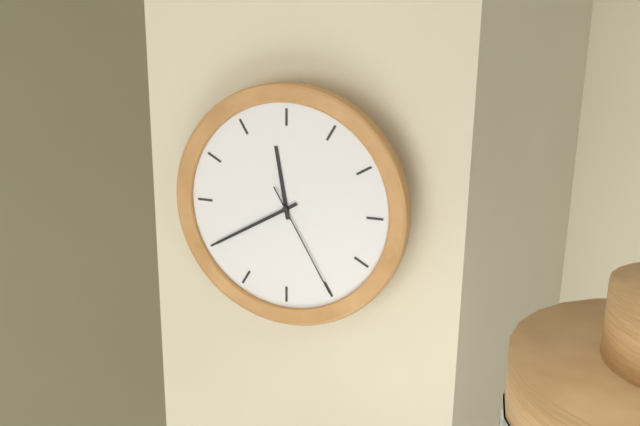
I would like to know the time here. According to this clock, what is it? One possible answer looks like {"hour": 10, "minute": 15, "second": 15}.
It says {"hour": 11, "minute": 40, "second": 25}
